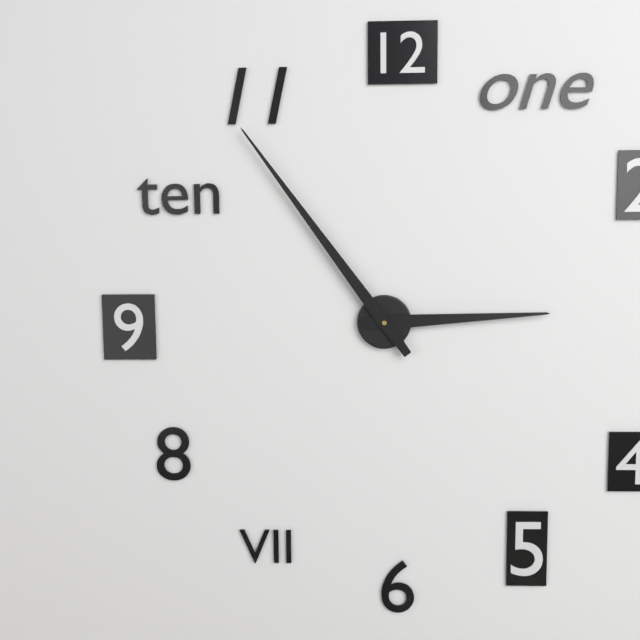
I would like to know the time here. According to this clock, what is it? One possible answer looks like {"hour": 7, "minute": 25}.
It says {"hour": 2, "minute": 54}
